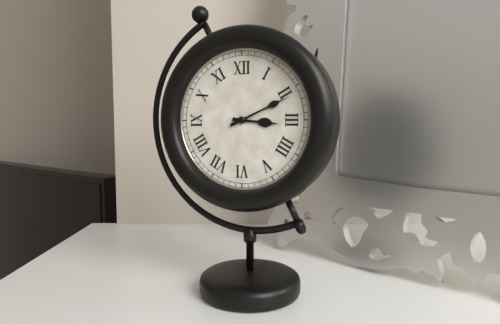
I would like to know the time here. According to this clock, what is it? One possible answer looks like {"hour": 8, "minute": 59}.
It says {"hour": 3, "minute": 11}
